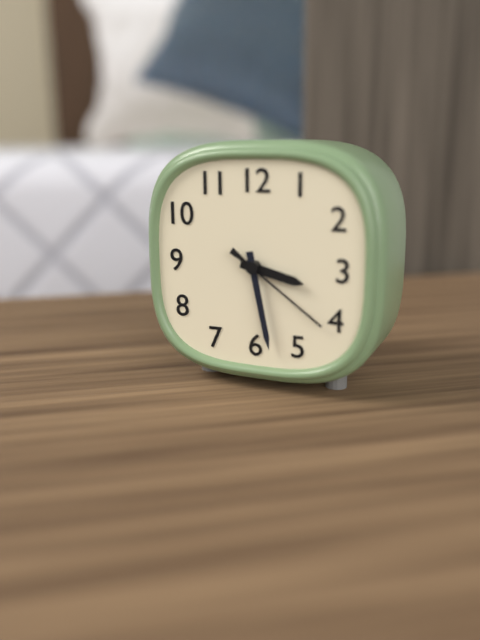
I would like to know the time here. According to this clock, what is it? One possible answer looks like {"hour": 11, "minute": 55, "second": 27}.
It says {"hour": 3, "minute": 28, "second": 21}
